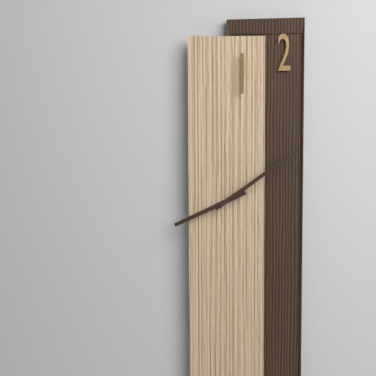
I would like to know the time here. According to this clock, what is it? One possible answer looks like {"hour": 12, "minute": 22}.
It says {"hour": 8, "minute": 9}
